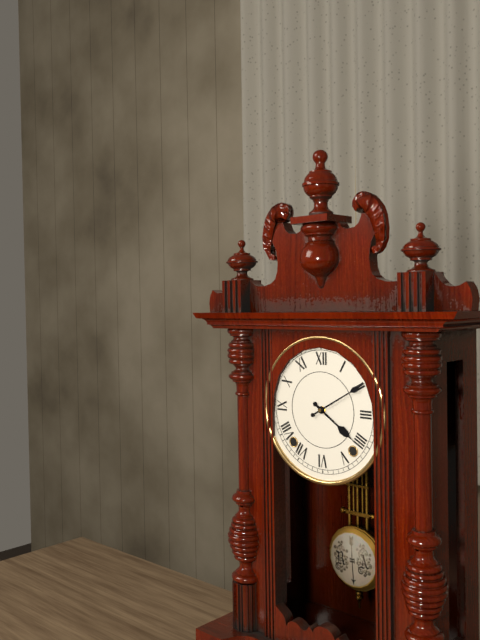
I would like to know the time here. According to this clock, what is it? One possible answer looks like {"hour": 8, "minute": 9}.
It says {"hour": 4, "minute": 10}
